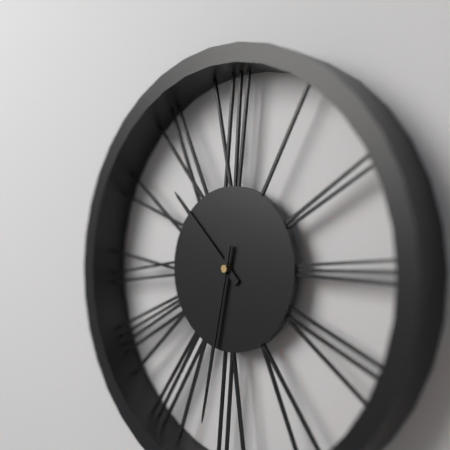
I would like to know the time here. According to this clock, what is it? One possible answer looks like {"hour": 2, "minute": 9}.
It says {"hour": 10, "minute": 32}
